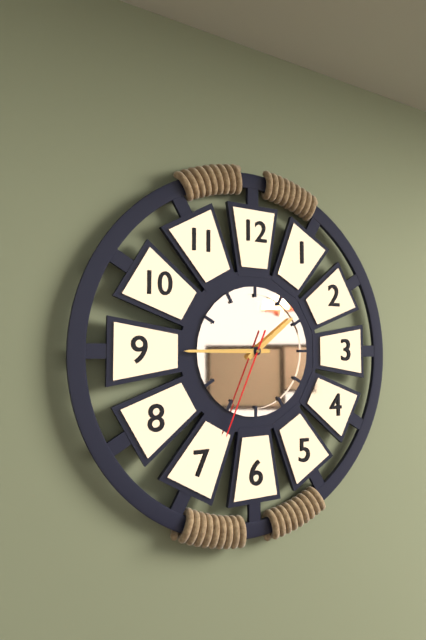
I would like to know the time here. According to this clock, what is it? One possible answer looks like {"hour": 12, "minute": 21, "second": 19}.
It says {"hour": 1, "minute": 45, "second": 34}
